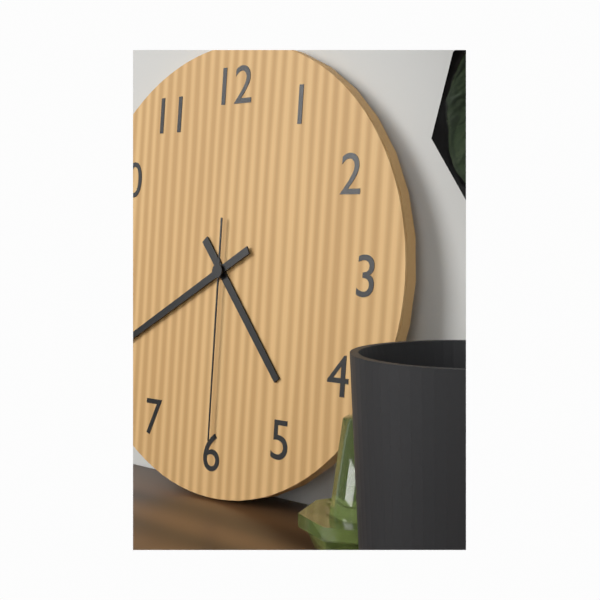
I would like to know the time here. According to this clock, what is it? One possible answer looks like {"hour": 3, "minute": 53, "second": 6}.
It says {"hour": 4, "minute": 40, "second": 30}
